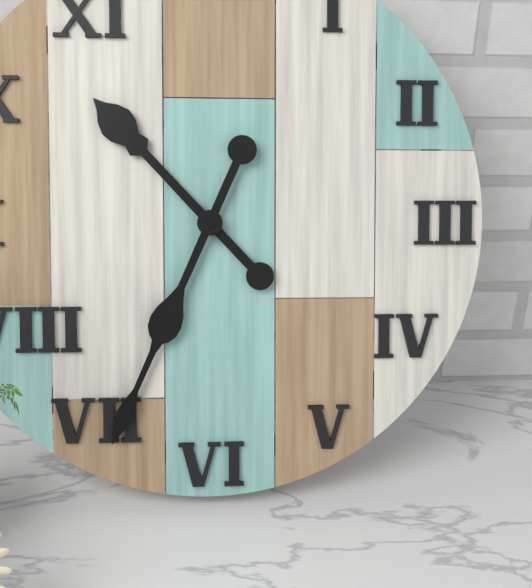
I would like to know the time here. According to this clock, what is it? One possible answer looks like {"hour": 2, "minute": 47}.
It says {"hour": 10, "minute": 34}
